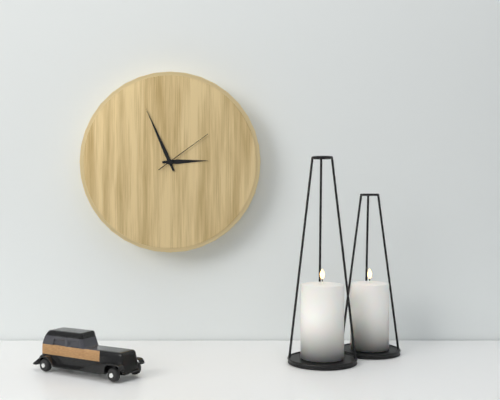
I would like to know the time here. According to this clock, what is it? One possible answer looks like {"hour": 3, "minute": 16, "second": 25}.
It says {"hour": 2, "minute": 56, "second": 9}
